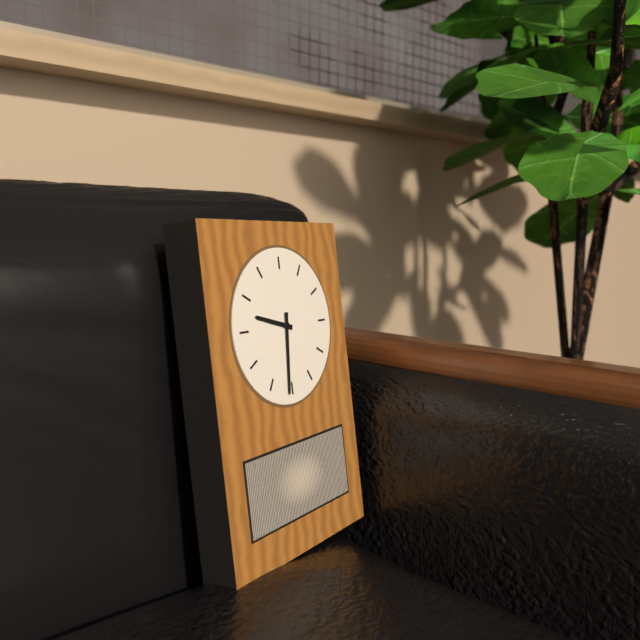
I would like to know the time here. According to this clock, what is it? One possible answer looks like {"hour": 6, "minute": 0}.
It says {"hour": 9, "minute": 31}
